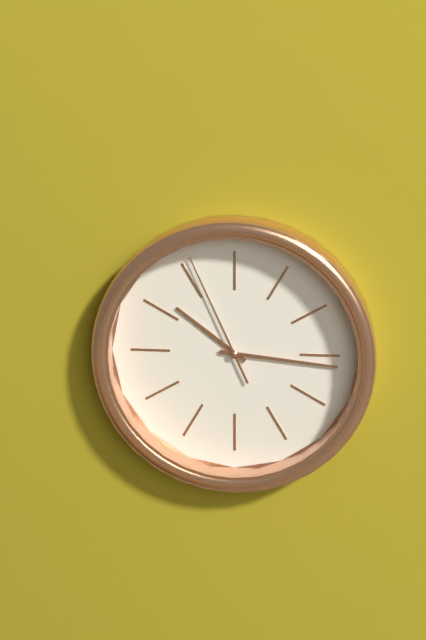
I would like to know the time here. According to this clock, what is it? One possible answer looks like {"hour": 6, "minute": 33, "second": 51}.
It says {"hour": 10, "minute": 16, "second": 56}
